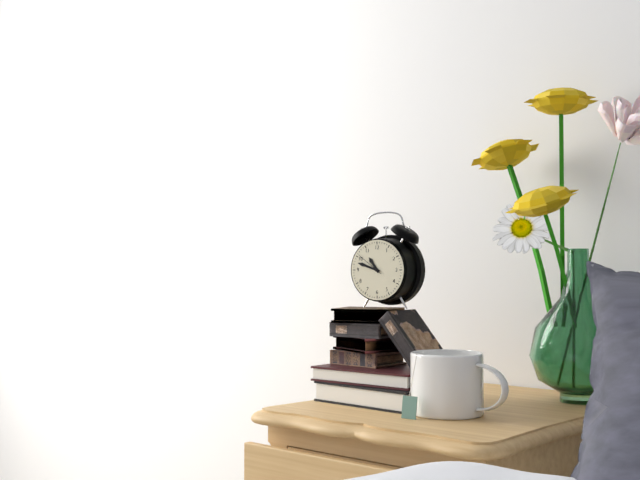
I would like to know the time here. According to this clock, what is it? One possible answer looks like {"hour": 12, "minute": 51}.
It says {"hour": 10, "minute": 48}
